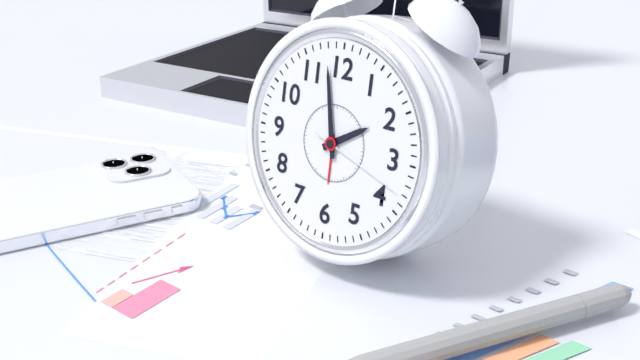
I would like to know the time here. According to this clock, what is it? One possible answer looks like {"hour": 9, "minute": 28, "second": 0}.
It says {"hour": 1, "minute": 58, "second": 18}
